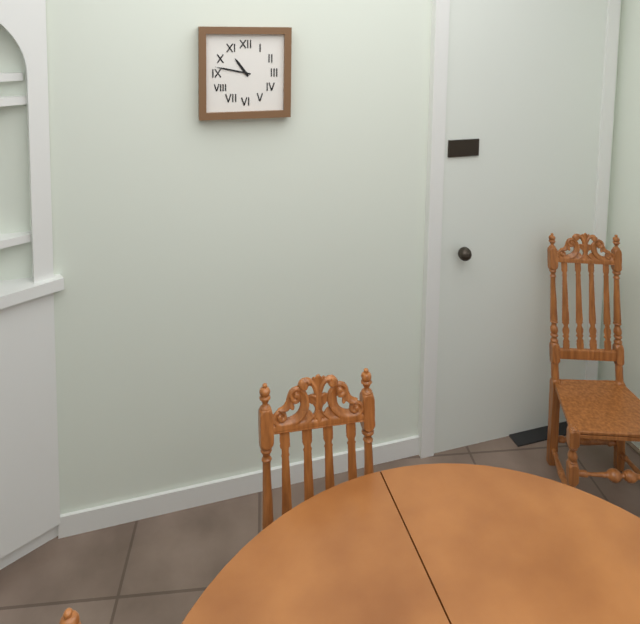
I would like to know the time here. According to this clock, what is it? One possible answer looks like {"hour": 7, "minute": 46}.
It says {"hour": 10, "minute": 47}
